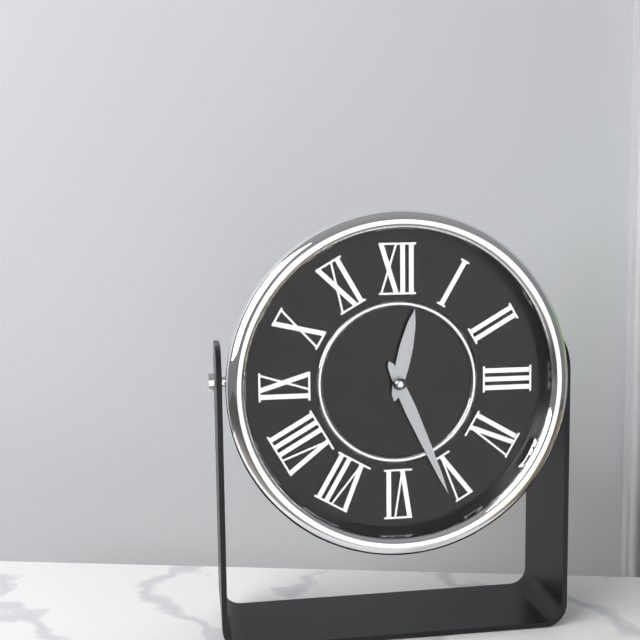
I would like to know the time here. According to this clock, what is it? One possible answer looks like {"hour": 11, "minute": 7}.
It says {"hour": 12, "minute": 26}
